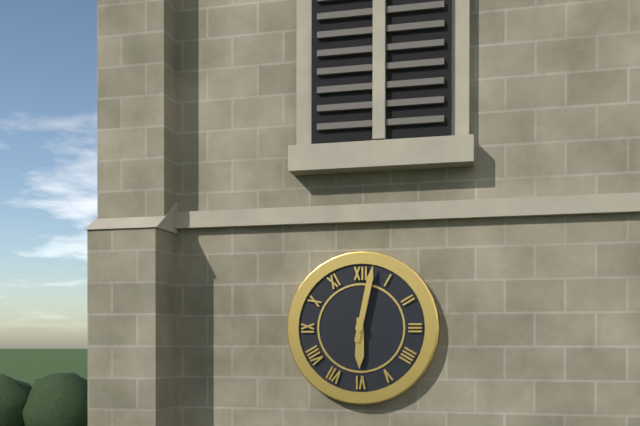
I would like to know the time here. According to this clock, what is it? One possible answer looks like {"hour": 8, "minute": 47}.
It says {"hour": 6, "minute": 2}
